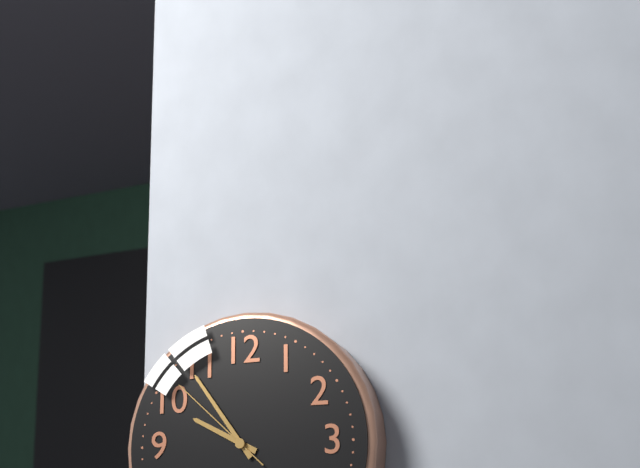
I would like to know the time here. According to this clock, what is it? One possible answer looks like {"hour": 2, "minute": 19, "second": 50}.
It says {"hour": 9, "minute": 54, "second": 52}
